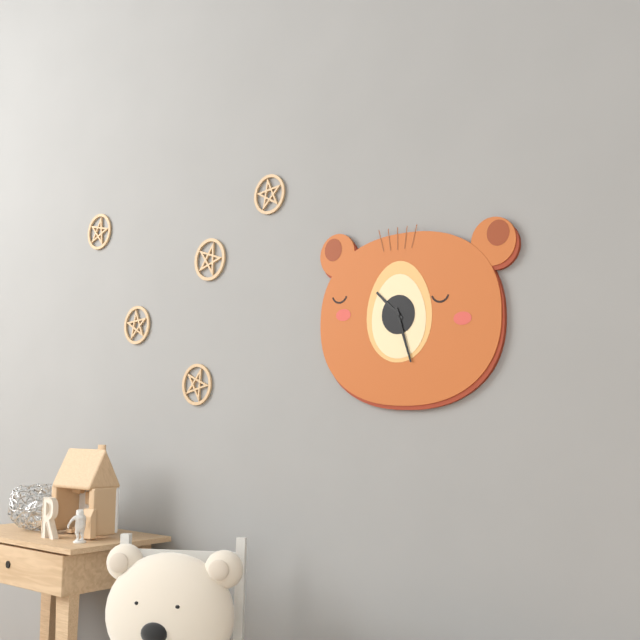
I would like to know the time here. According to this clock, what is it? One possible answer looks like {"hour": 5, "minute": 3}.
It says {"hour": 10, "minute": 27}
